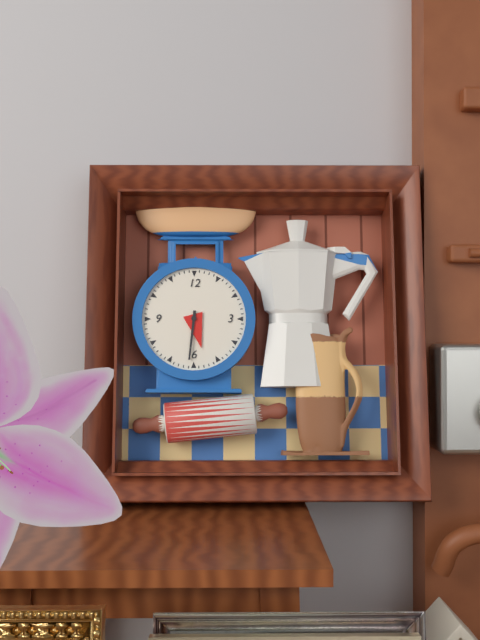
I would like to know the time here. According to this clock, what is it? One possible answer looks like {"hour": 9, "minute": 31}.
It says {"hour": 5, "minute": 31}
